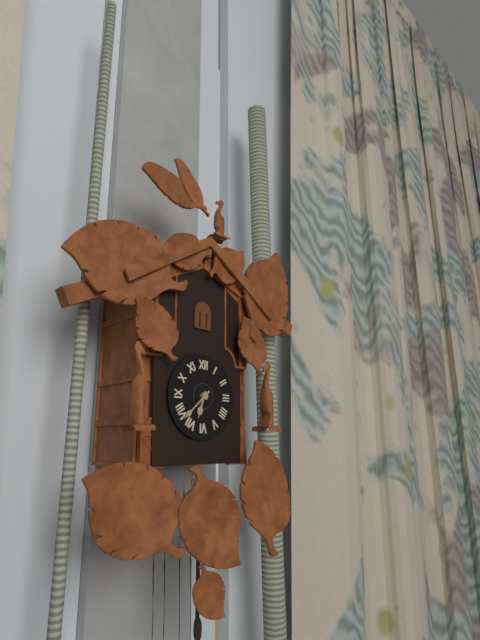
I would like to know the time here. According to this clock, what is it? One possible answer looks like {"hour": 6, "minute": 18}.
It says {"hour": 6, "minute": 38}
